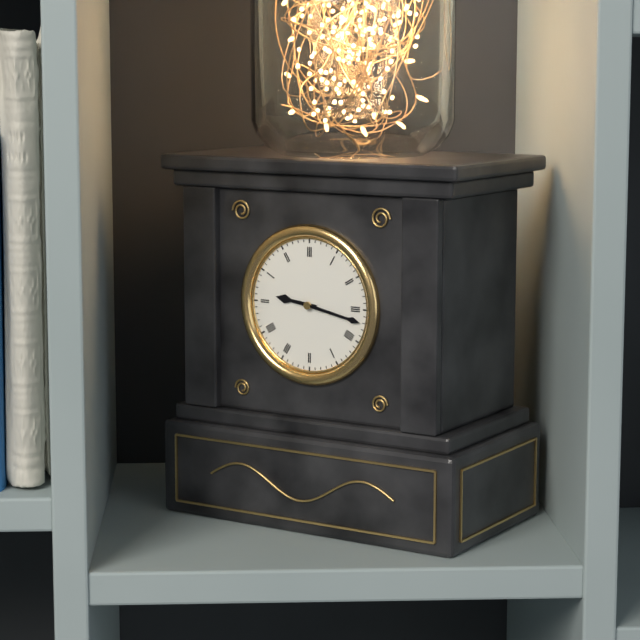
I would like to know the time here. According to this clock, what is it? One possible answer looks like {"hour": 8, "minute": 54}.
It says {"hour": 9, "minute": 17}
